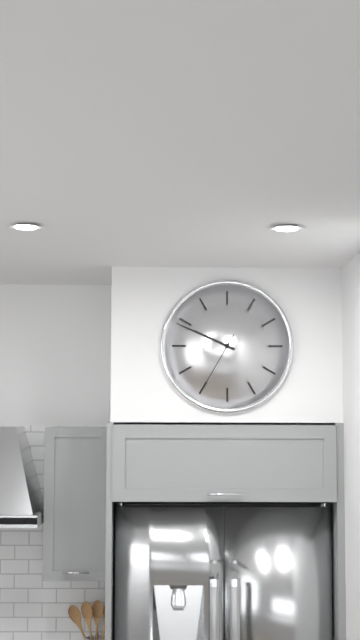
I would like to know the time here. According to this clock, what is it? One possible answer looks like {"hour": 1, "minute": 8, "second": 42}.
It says {"hour": 9, "minute": 49, "second": 35}
